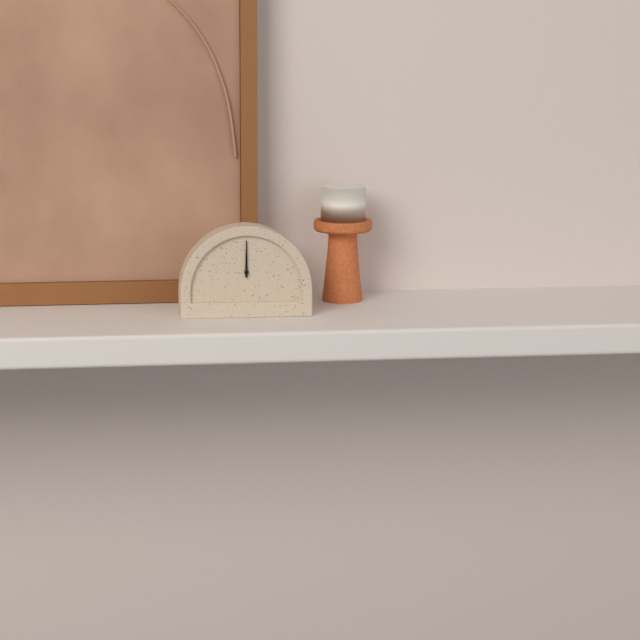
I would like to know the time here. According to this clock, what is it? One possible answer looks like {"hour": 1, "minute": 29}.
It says {"hour": 12, "minute": 0}
